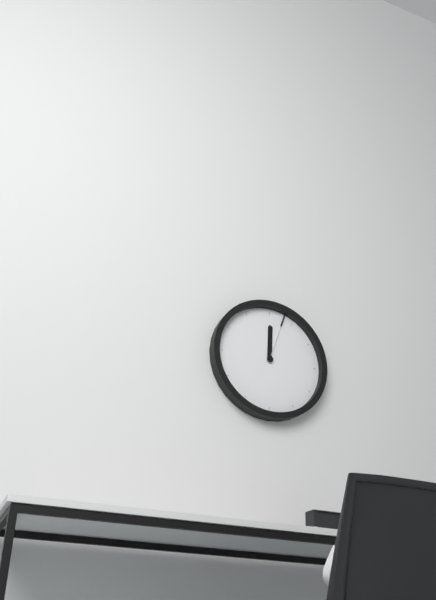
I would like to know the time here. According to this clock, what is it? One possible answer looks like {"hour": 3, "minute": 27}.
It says {"hour": 12, "minute": 3}
